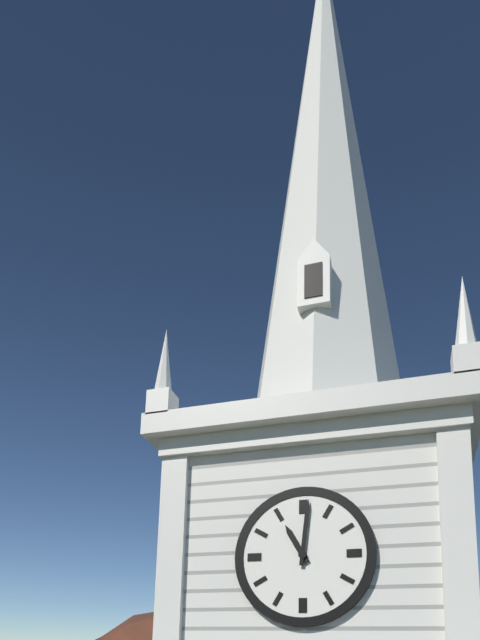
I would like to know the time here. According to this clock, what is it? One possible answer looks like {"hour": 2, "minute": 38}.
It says {"hour": 11, "minute": 1}
